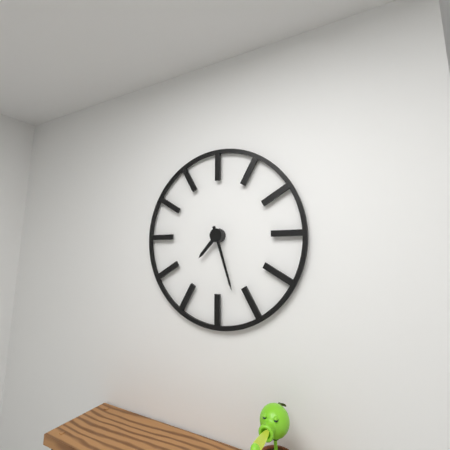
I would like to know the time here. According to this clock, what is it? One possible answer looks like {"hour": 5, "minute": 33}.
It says {"hour": 7, "minute": 27}
